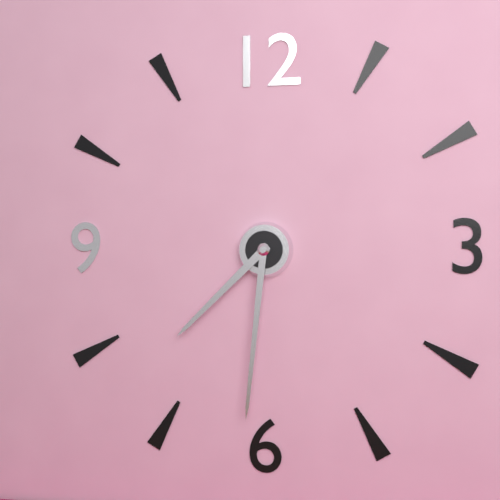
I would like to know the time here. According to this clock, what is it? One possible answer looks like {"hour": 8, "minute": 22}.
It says {"hour": 7, "minute": 31}
